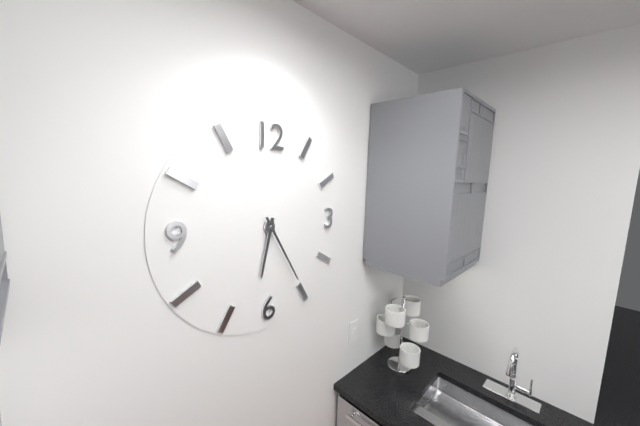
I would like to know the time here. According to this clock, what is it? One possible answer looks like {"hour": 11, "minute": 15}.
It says {"hour": 6, "minute": 25}
